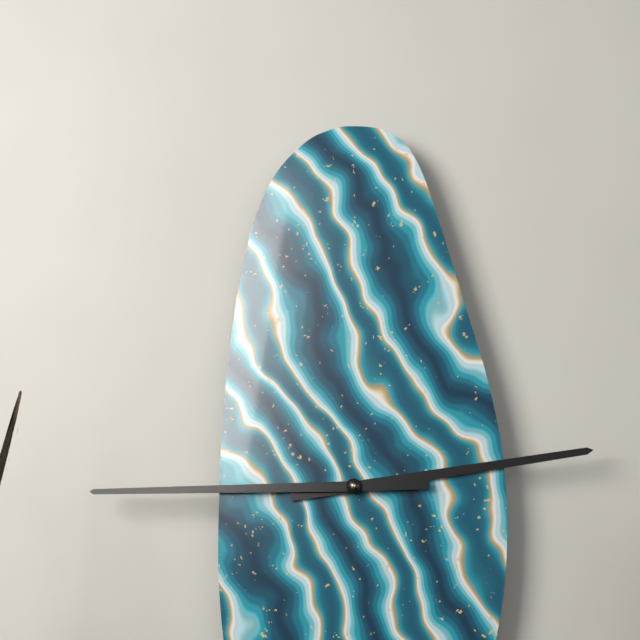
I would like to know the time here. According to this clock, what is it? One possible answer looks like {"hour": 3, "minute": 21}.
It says {"hour": 2, "minute": 45}
